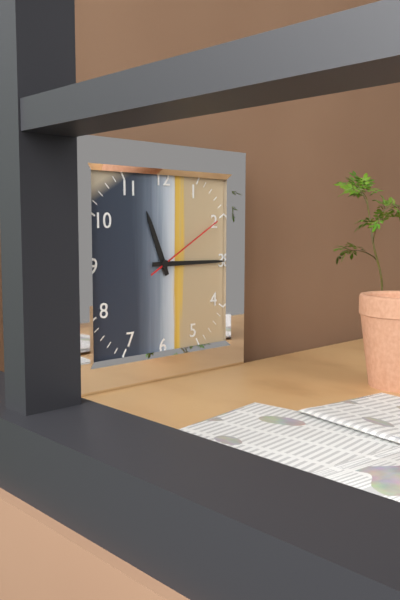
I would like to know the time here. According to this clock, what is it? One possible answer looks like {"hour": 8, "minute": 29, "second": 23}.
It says {"hour": 11, "minute": 15, "second": 10}
